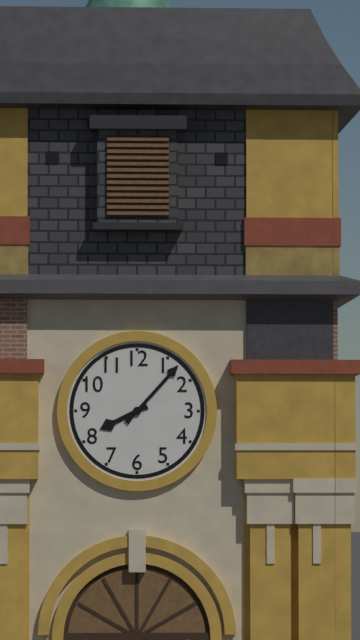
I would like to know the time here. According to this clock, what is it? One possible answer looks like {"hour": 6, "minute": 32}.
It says {"hour": 8, "minute": 7}
